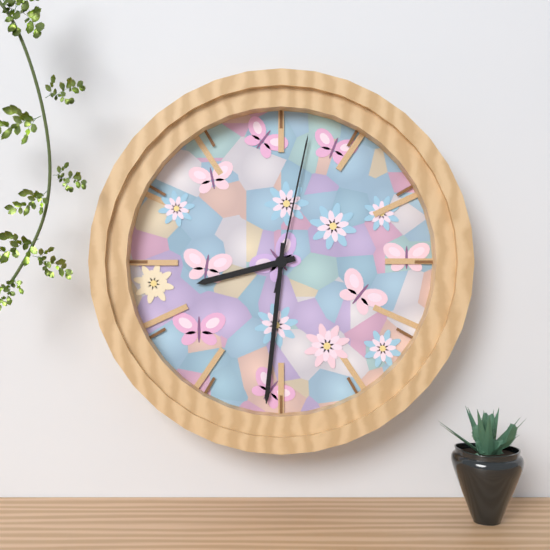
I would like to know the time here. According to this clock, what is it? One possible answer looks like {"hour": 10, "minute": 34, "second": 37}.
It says {"hour": 8, "minute": 31, "second": 2}
